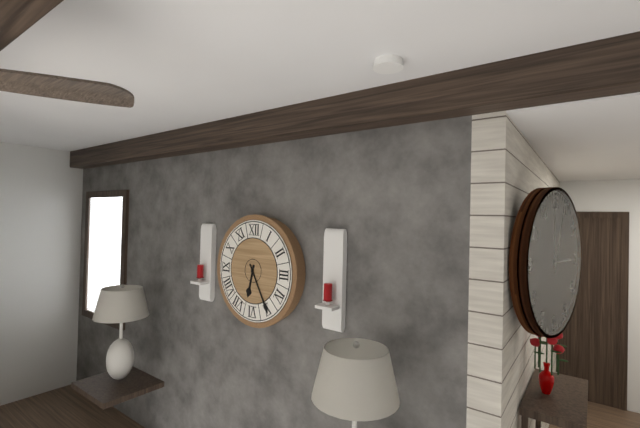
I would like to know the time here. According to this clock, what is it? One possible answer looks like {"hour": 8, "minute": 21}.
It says {"hour": 6, "minute": 25}
